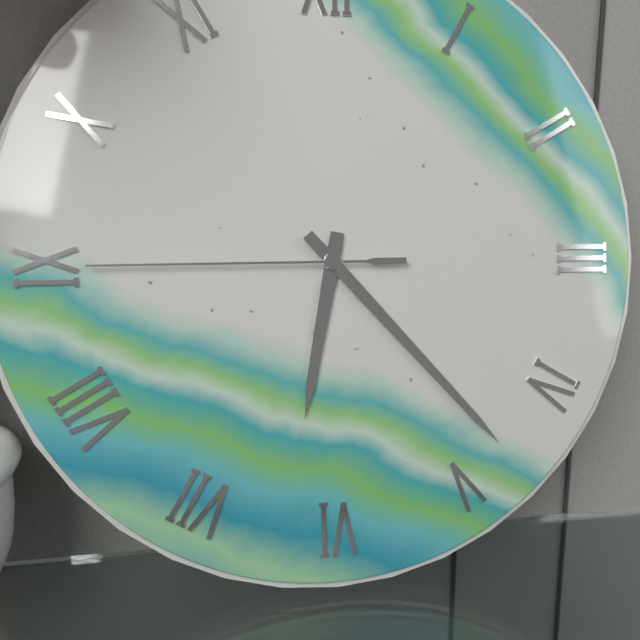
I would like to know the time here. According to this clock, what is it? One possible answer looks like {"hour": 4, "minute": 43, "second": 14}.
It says {"hour": 6, "minute": 23, "second": 45}
